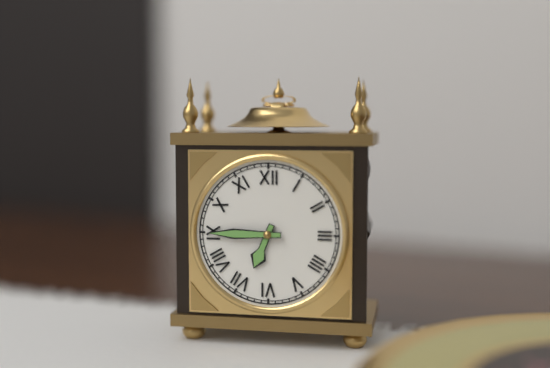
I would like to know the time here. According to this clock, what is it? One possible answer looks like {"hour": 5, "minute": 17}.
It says {"hour": 6, "minute": 45}
